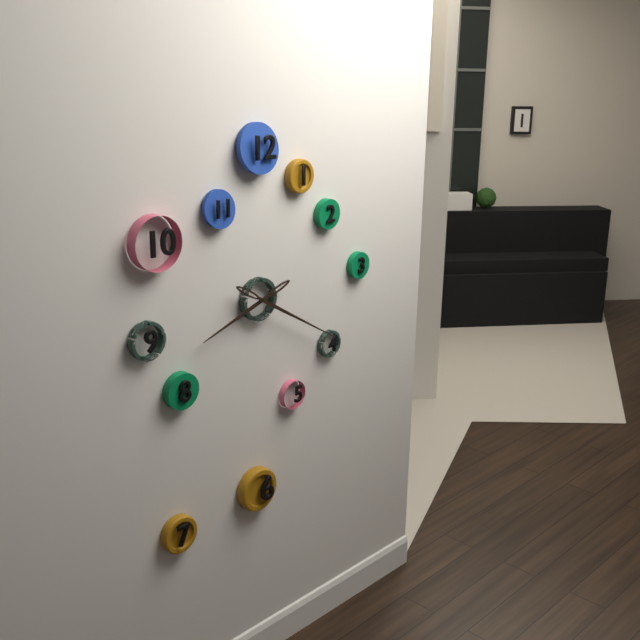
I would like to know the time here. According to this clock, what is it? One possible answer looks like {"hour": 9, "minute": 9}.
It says {"hour": 8, "minute": 20}
